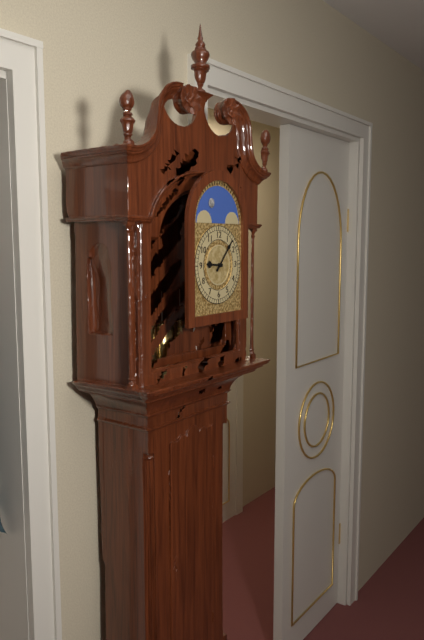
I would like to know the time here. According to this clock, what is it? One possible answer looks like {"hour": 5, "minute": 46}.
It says {"hour": 9, "minute": 7}
